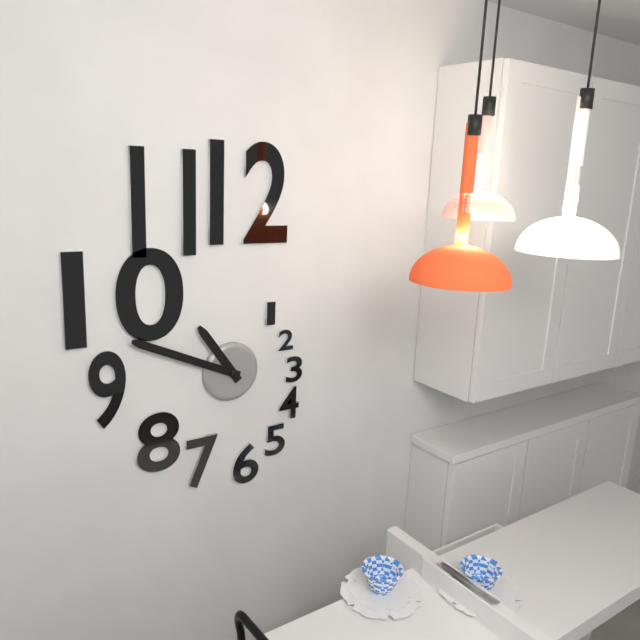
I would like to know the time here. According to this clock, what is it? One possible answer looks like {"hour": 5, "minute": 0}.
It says {"hour": 10, "minute": 49}
